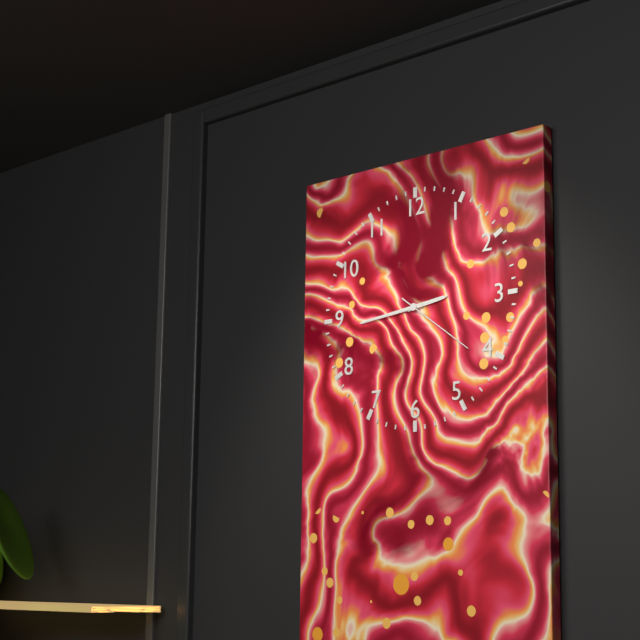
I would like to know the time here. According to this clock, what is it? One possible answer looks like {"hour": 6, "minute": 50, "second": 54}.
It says {"hour": 2, "minute": 44, "second": 21}
